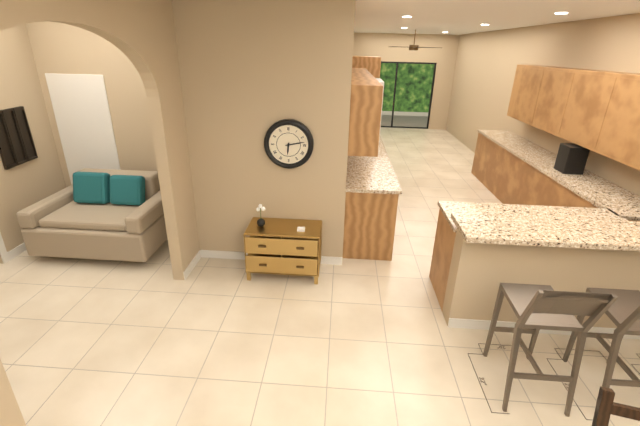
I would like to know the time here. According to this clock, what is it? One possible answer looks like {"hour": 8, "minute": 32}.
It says {"hour": 6, "minute": 13}
